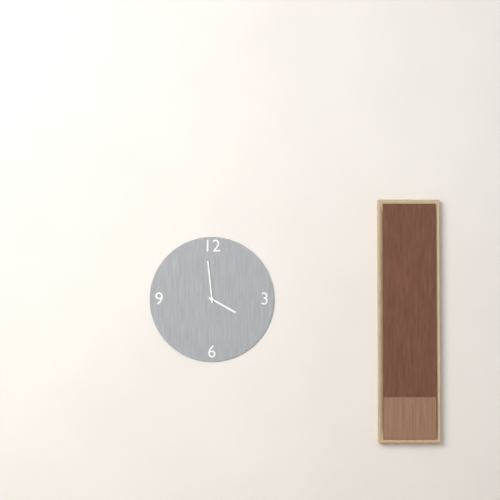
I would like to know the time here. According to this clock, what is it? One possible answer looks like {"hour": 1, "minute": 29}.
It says {"hour": 3, "minute": 59}
